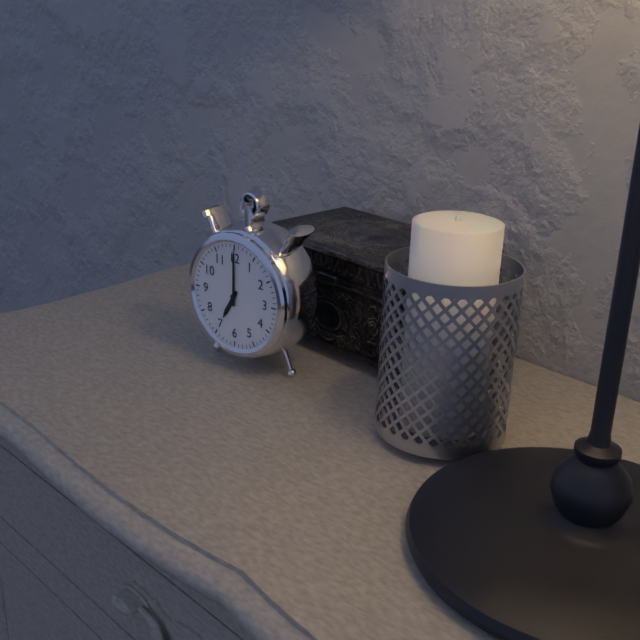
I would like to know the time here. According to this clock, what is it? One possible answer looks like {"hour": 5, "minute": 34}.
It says {"hour": 7, "minute": 0}
